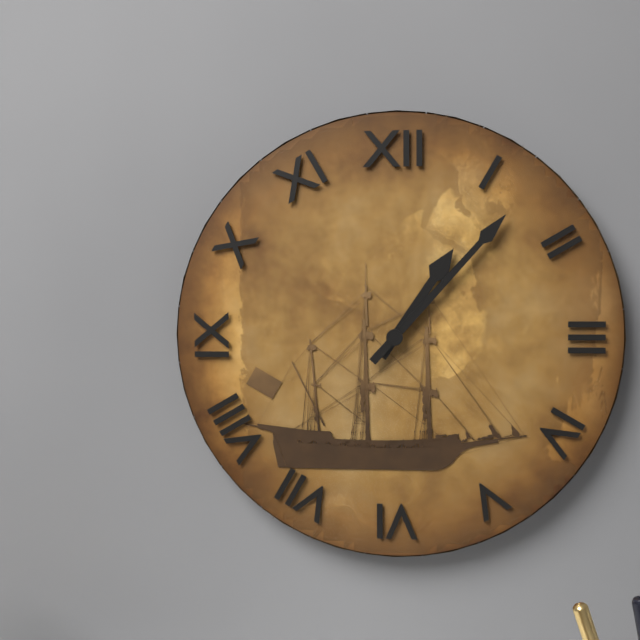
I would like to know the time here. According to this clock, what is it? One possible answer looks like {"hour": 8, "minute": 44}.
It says {"hour": 1, "minute": 7}
